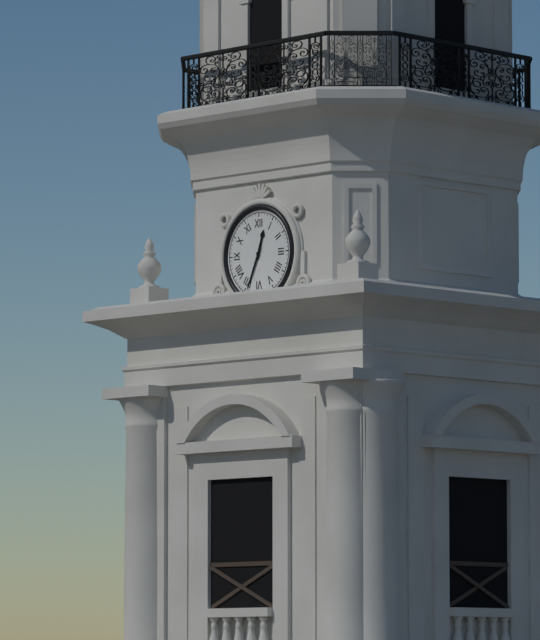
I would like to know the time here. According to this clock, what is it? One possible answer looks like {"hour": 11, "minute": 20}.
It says {"hour": 12, "minute": 34}
